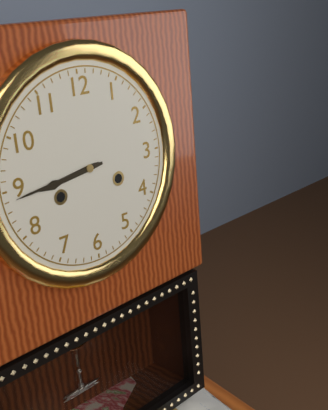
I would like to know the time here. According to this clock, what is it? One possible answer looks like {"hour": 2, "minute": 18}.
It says {"hour": 8, "minute": 44}
